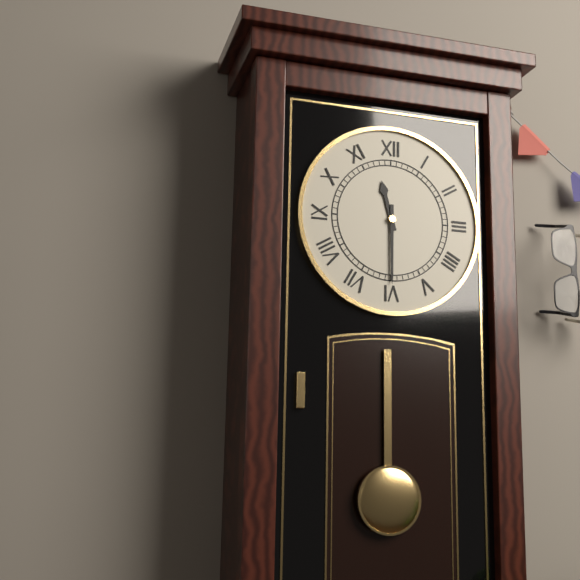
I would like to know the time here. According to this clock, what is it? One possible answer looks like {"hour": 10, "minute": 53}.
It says {"hour": 11, "minute": 30}
